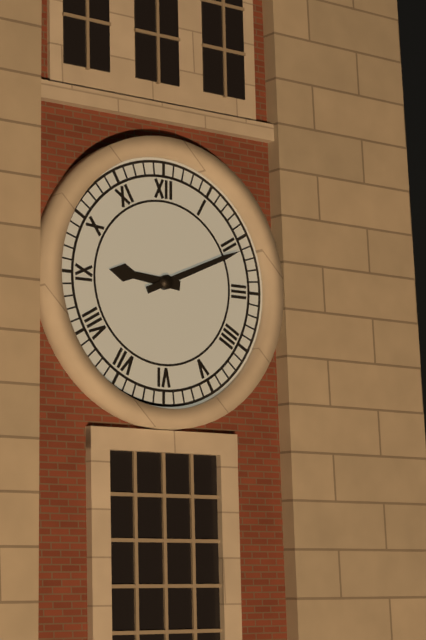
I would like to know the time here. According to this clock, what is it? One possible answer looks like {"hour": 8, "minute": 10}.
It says {"hour": 9, "minute": 11}
